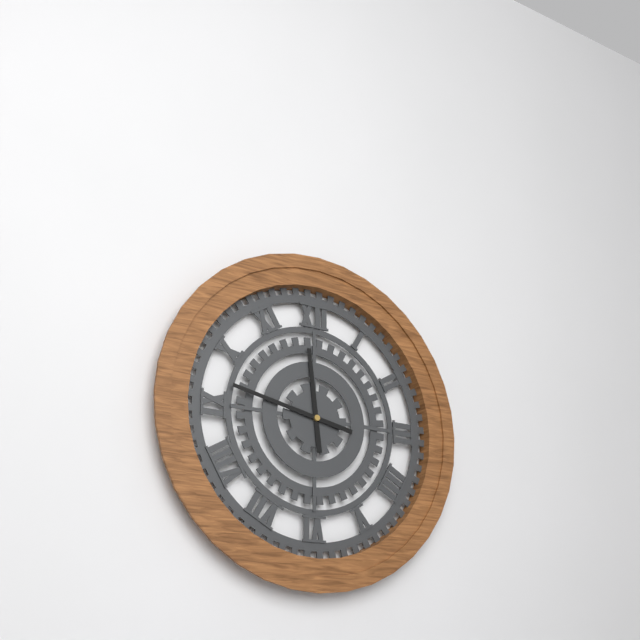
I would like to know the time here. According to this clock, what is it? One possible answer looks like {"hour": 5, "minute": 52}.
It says {"hour": 11, "minute": 47}
